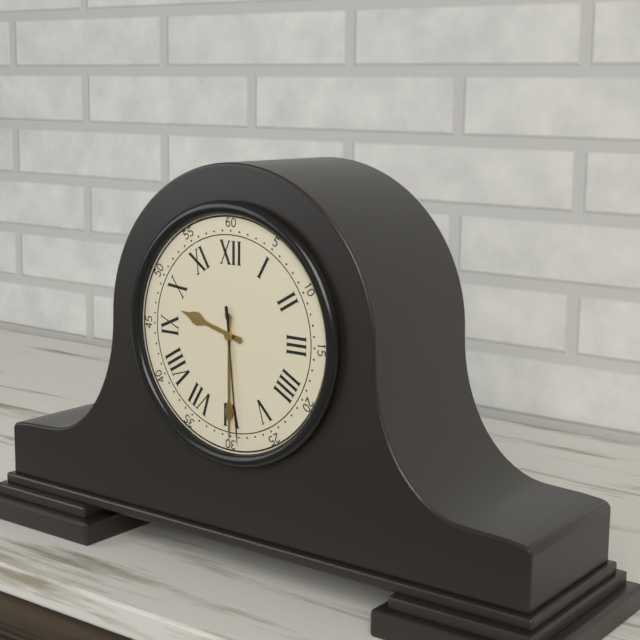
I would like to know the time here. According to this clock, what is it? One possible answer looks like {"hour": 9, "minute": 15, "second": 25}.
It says {"hour": 9, "minute": 30, "second": 29}
